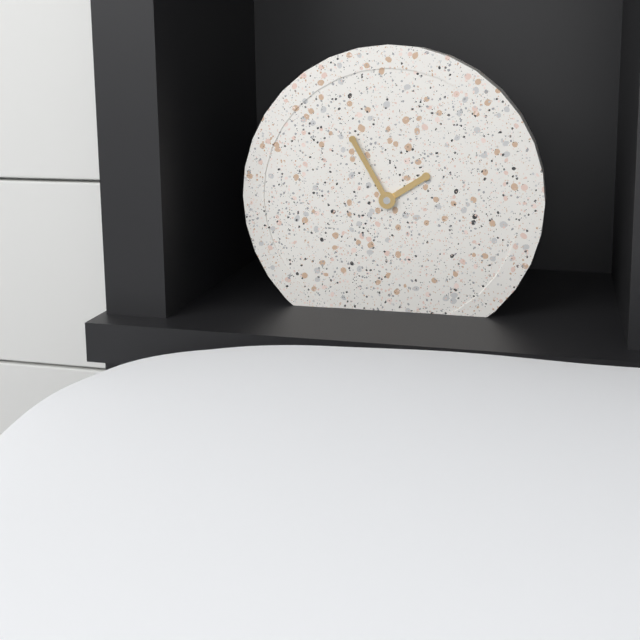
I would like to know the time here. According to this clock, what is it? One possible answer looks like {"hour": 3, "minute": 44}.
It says {"hour": 1, "minute": 55}
